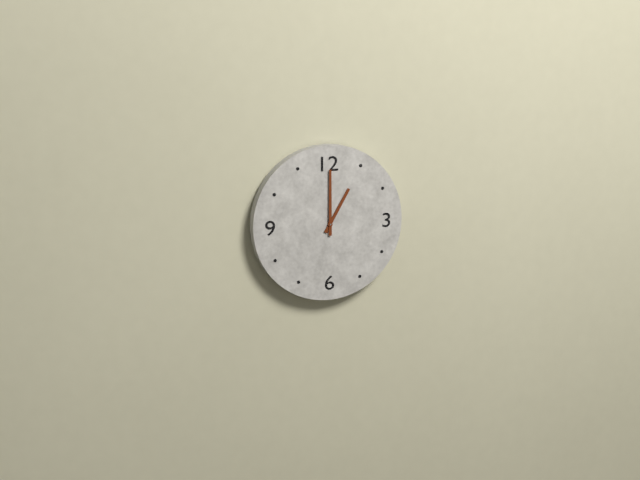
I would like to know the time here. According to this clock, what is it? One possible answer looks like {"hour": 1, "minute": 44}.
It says {"hour": 1, "minute": 0}
